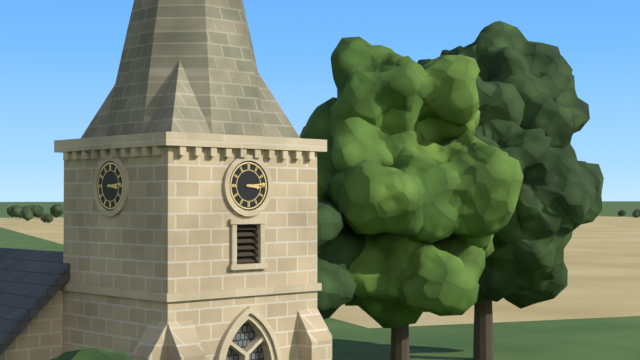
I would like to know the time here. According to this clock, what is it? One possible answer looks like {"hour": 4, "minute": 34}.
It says {"hour": 3, "minute": 14}
